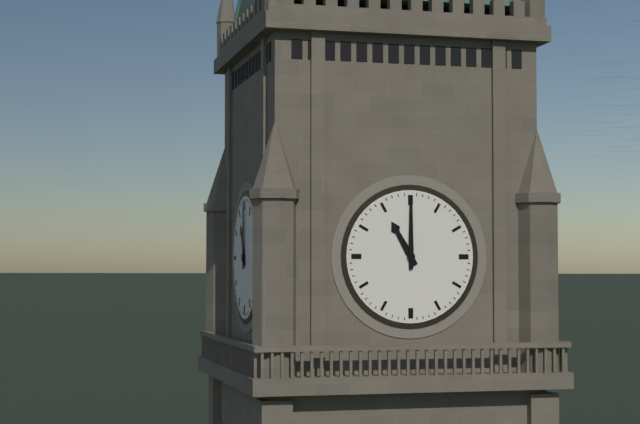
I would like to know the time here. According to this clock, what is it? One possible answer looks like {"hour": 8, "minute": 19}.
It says {"hour": 11, "minute": 0}
